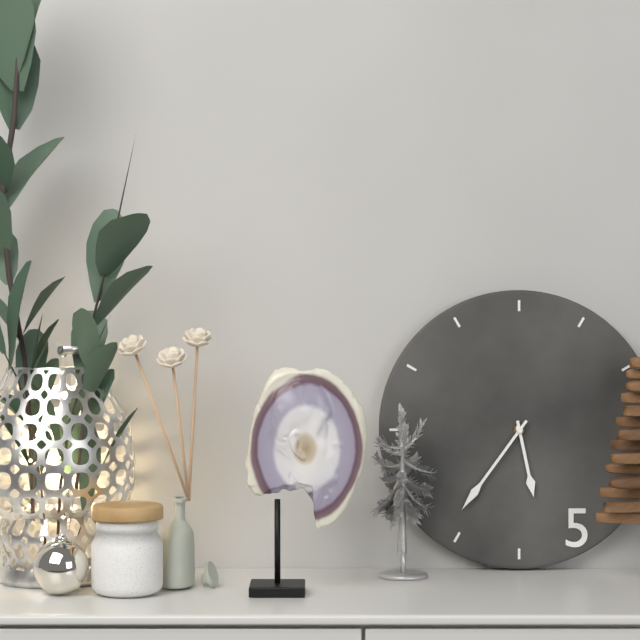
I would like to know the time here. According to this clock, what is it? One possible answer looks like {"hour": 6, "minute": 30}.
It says {"hour": 5, "minute": 36}
